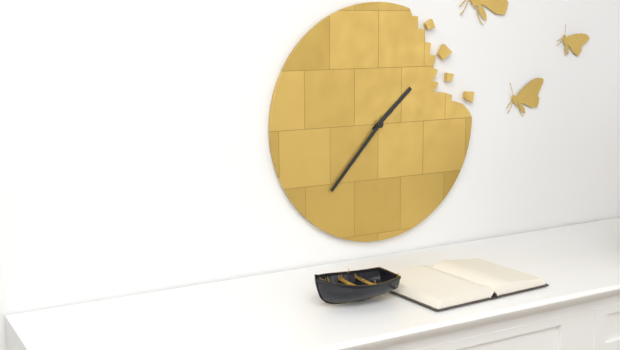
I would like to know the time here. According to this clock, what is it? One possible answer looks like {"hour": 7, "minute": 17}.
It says {"hour": 1, "minute": 37}
